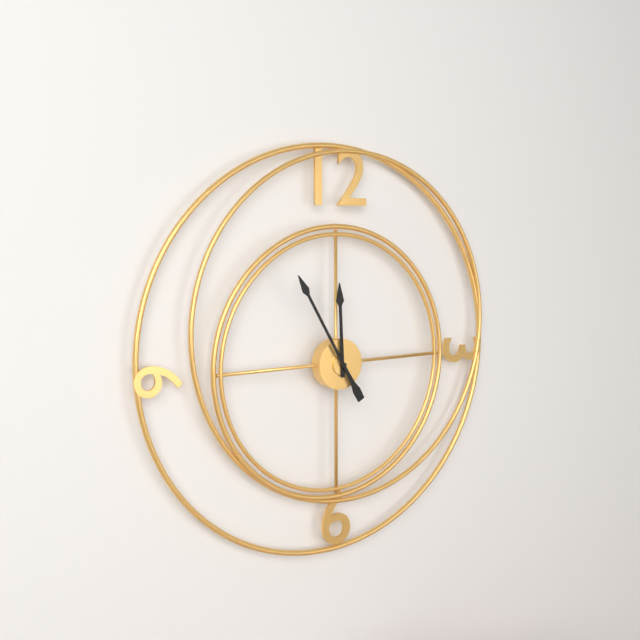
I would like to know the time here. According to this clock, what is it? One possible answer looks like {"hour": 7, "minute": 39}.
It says {"hour": 11, "minute": 55}
